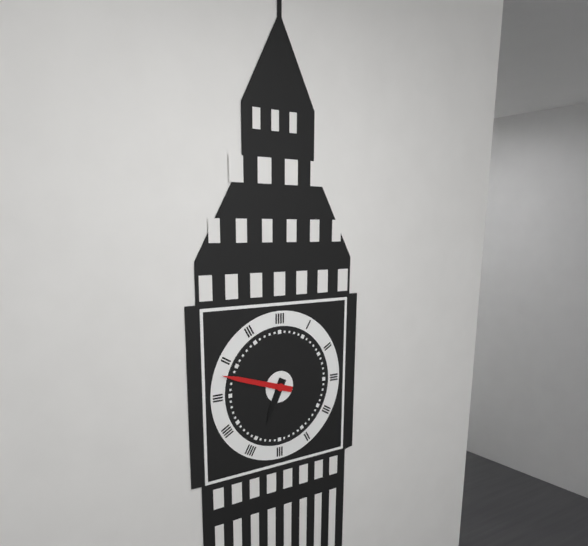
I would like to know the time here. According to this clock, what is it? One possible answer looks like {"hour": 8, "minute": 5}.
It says {"hour": 6, "minute": 48}
